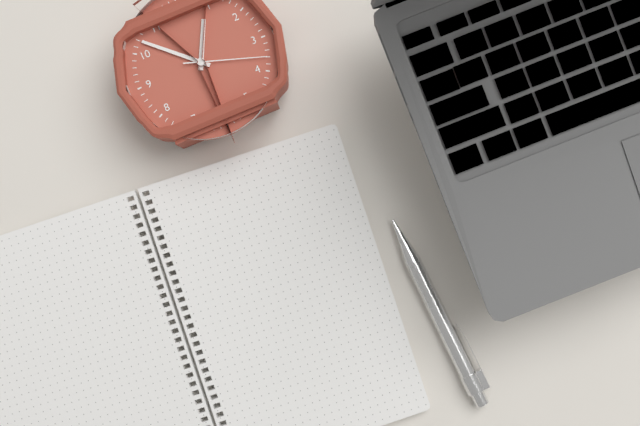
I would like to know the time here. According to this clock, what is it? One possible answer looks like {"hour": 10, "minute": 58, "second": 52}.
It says {"hour": 12, "minute": 52, "second": 18}
